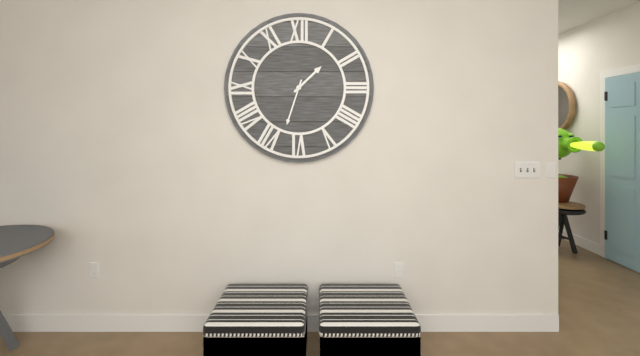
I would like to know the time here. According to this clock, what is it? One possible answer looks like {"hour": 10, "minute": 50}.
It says {"hour": 1, "minute": 33}
